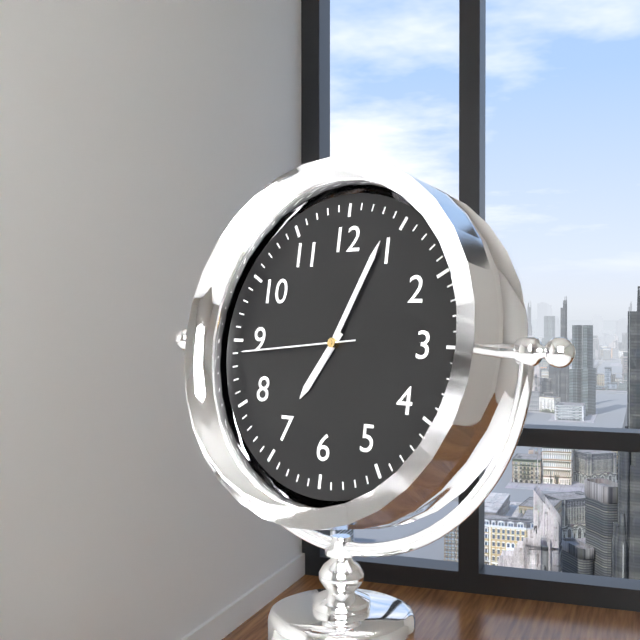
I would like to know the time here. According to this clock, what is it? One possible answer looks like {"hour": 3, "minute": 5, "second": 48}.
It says {"hour": 7, "minute": 4, "second": 44}
